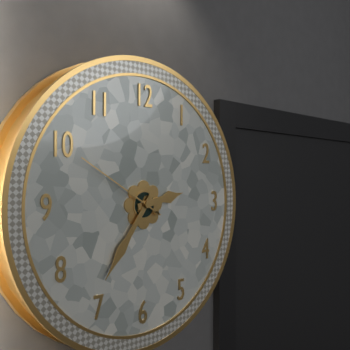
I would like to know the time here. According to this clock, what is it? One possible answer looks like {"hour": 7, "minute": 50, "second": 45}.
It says {"hour": 2, "minute": 36, "second": 50}
